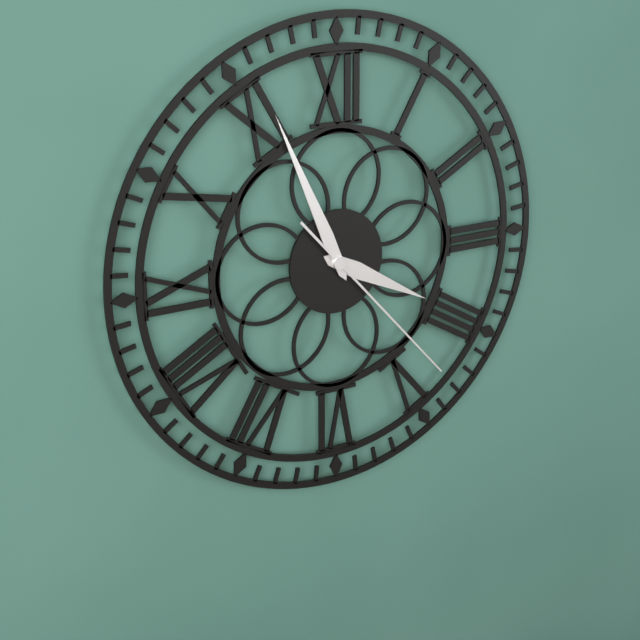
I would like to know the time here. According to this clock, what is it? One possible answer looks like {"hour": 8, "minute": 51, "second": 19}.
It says {"hour": 3, "minute": 56, "second": 23}
